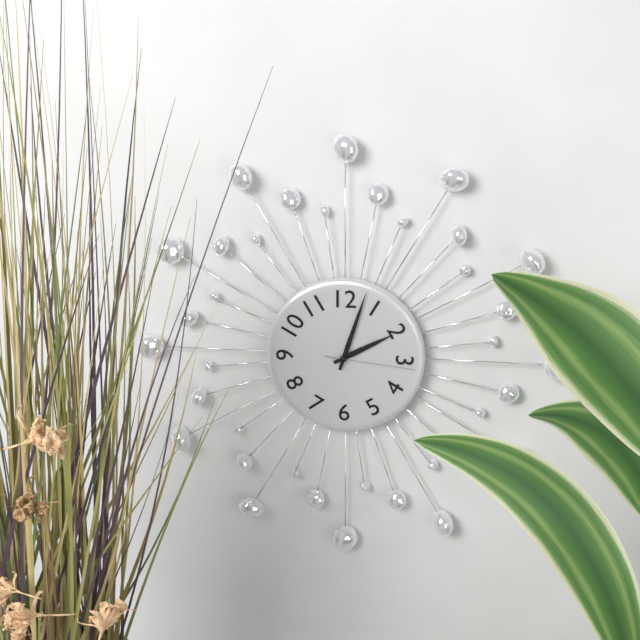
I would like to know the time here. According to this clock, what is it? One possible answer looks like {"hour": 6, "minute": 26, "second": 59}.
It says {"hour": 2, "minute": 3, "second": 16}
